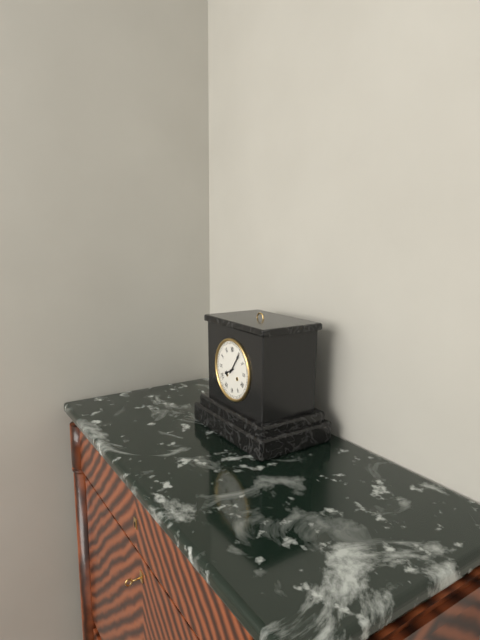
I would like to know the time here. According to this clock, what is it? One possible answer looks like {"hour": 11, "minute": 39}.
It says {"hour": 8, "minute": 6}
